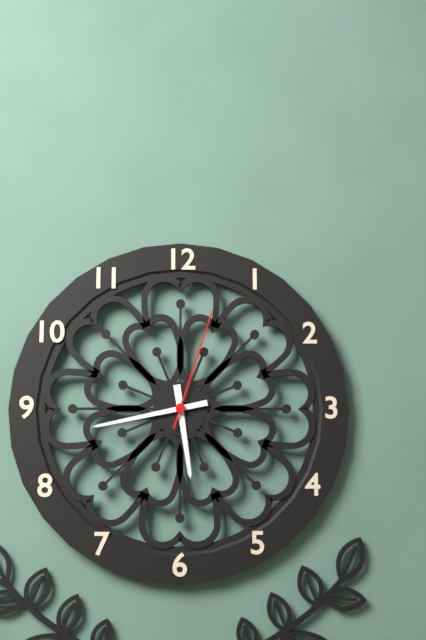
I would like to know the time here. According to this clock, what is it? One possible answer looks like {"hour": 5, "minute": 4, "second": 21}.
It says {"hour": 5, "minute": 43, "second": 3}
